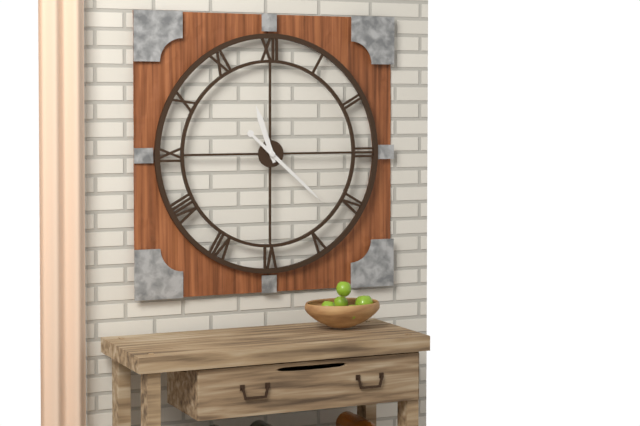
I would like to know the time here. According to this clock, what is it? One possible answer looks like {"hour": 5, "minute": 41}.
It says {"hour": 11, "minute": 22}
